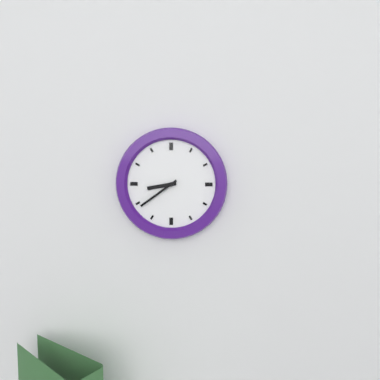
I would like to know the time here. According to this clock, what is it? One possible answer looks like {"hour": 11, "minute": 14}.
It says {"hour": 8, "minute": 39}
